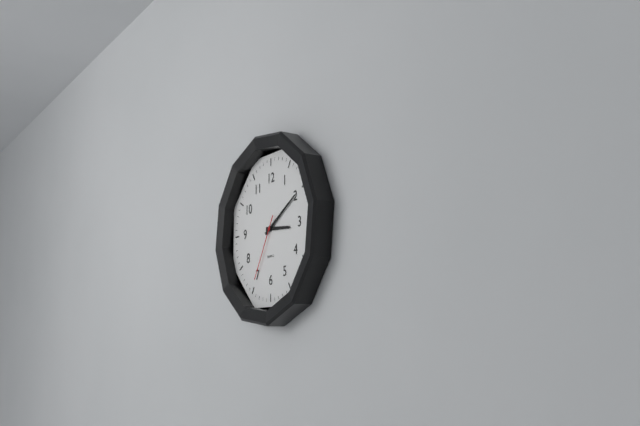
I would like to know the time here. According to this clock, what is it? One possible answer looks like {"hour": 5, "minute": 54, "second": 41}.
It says {"hour": 3, "minute": 10, "second": 35}
